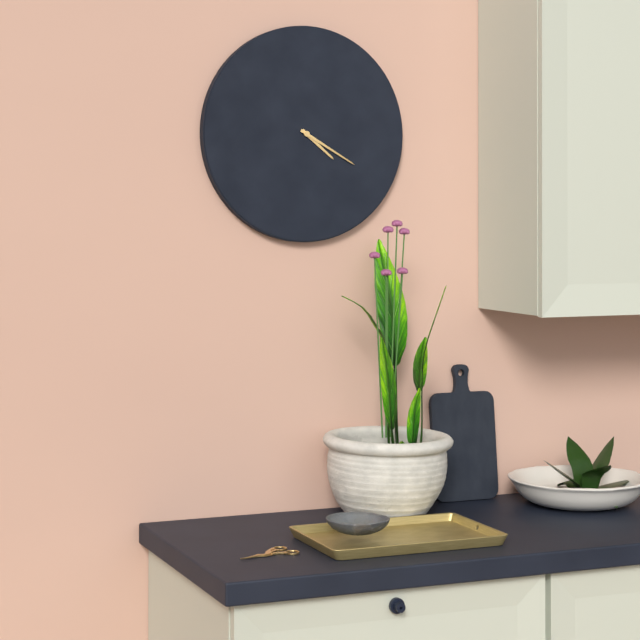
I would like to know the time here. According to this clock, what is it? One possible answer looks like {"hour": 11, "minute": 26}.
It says {"hour": 4, "minute": 20}
